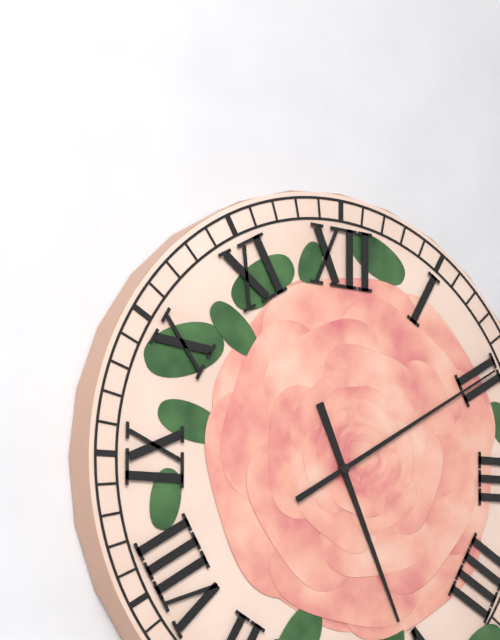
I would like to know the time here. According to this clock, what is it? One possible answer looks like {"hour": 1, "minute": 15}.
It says {"hour": 5, "minute": 10}
